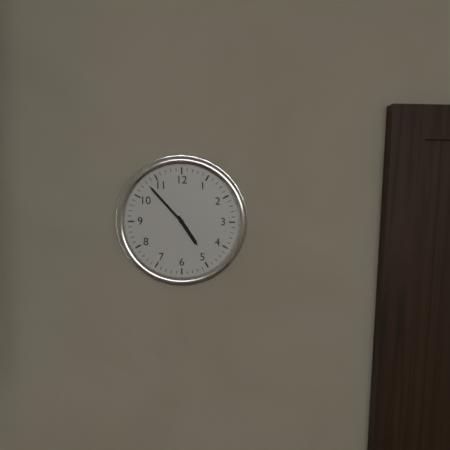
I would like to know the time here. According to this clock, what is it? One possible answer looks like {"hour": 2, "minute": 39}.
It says {"hour": 4, "minute": 53}
